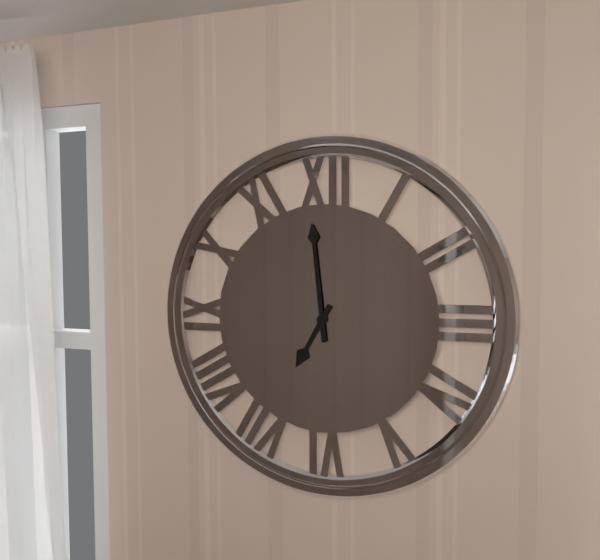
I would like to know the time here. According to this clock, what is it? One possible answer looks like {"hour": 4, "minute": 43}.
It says {"hour": 6, "minute": 59}
